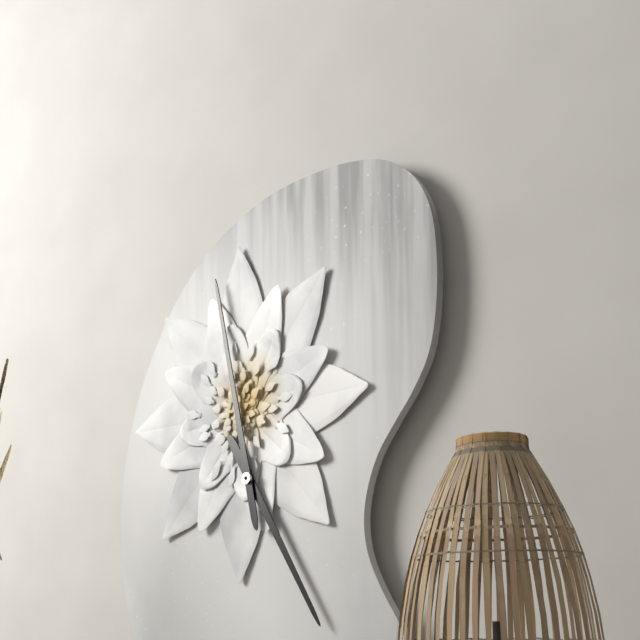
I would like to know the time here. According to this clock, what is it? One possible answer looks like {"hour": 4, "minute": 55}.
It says {"hour": 4, "minute": 58}
